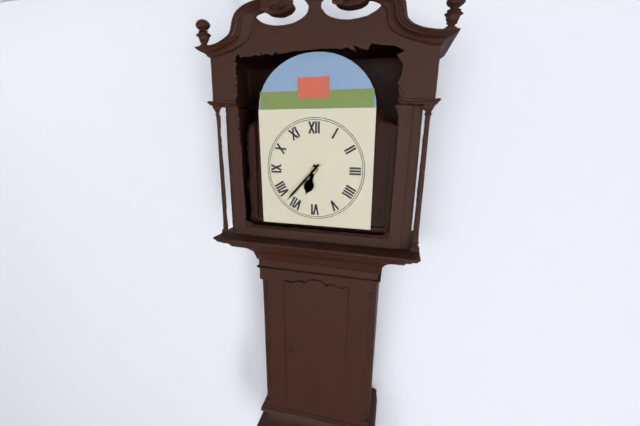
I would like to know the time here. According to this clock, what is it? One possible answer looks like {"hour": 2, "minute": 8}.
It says {"hour": 6, "minute": 37}
